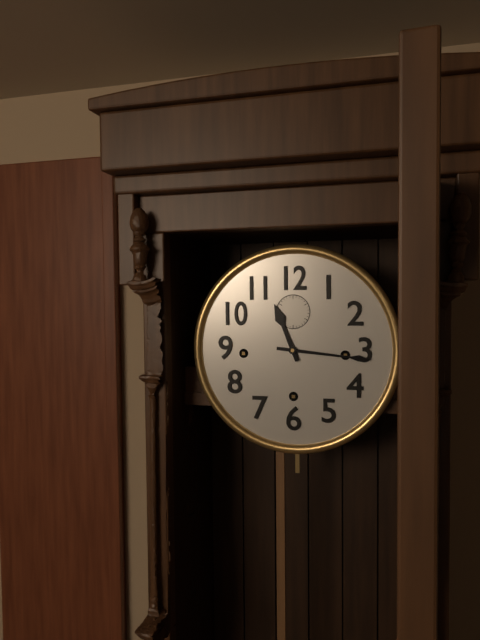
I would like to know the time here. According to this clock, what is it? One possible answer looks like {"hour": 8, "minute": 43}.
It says {"hour": 11, "minute": 16}
